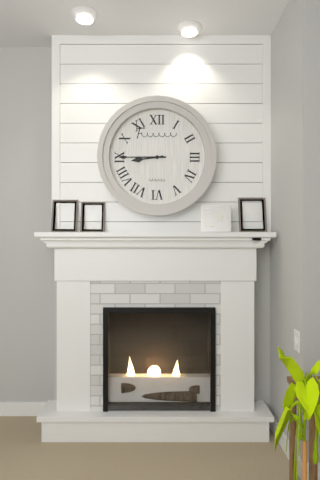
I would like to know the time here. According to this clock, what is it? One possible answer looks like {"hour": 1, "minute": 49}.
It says {"hour": 8, "minute": 45}
